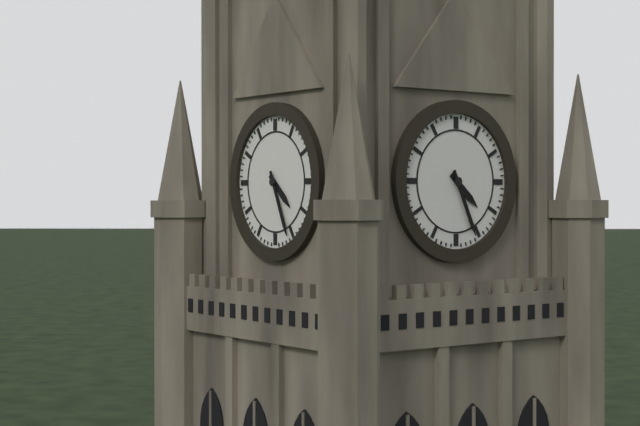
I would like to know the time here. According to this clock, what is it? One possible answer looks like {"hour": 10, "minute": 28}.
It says {"hour": 4, "minute": 26}
